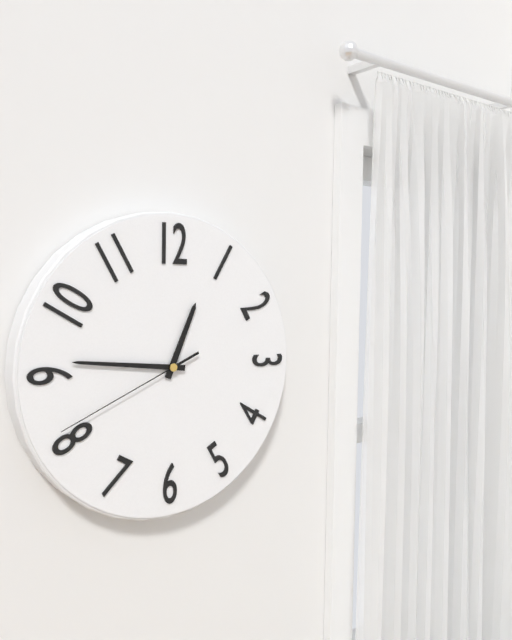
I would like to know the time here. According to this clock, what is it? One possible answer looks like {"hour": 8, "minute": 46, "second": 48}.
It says {"hour": 12, "minute": 46, "second": 41}
